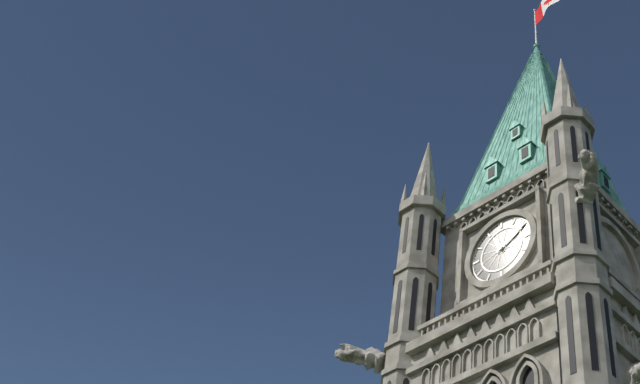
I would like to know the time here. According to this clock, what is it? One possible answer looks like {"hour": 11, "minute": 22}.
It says {"hour": 11, "minute": 10}
